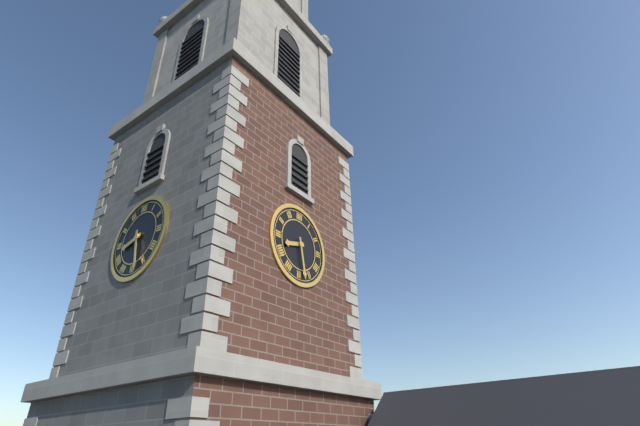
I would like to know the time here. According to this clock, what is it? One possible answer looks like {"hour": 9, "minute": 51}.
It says {"hour": 8, "minute": 28}
